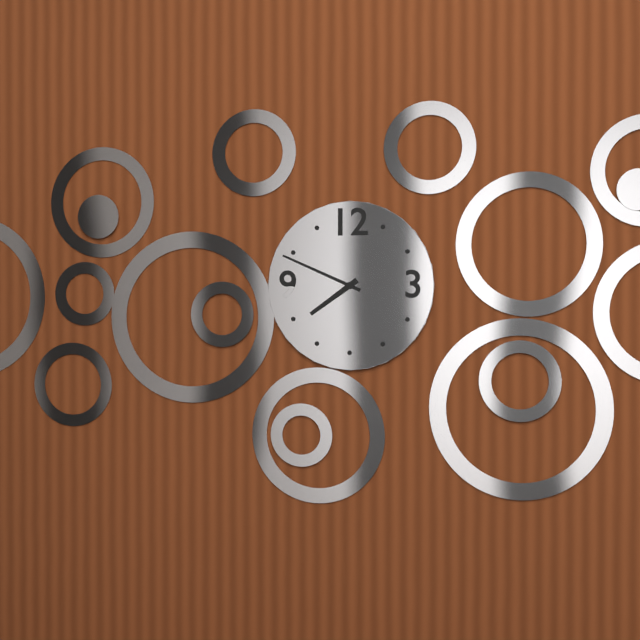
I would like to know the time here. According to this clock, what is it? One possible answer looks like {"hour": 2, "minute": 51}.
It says {"hour": 7, "minute": 49}
